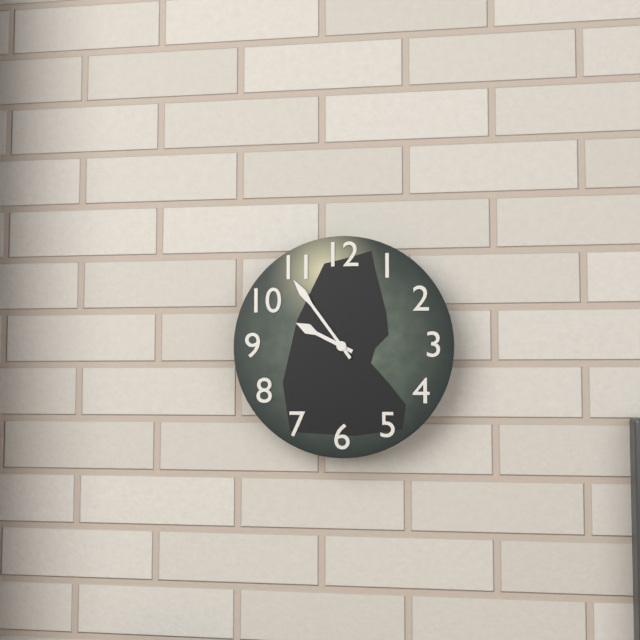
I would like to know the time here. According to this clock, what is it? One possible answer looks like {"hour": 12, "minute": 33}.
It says {"hour": 9, "minute": 54}
